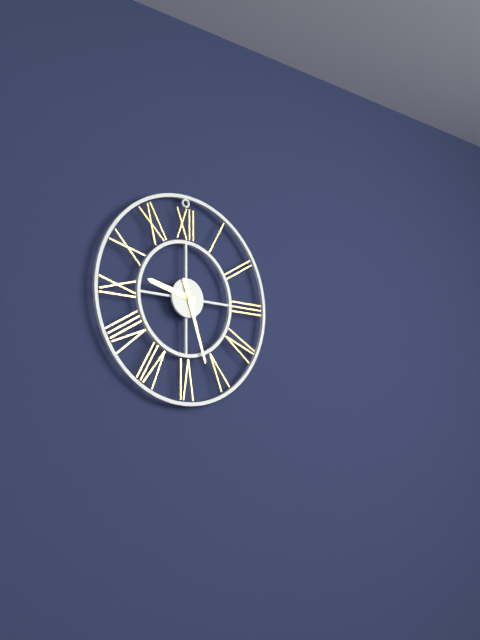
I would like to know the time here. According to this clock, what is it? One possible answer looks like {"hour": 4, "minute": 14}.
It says {"hour": 9, "minute": 27}
